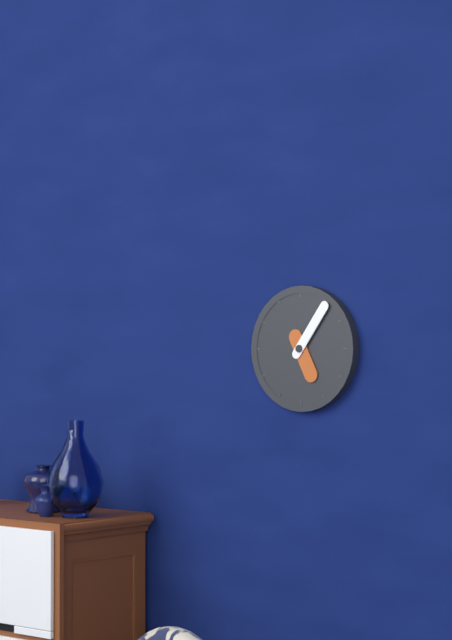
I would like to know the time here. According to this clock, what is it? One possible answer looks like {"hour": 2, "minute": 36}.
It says {"hour": 5, "minute": 6}
